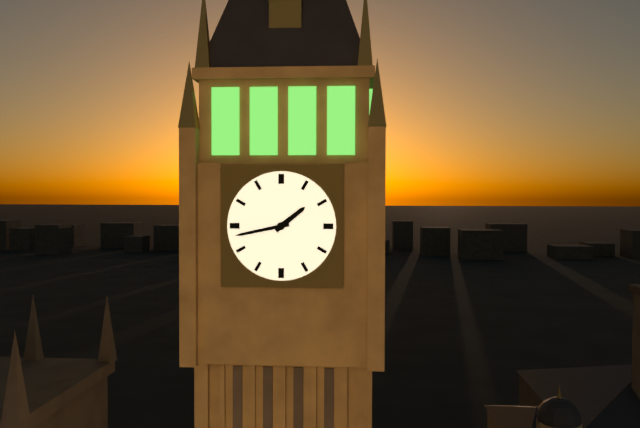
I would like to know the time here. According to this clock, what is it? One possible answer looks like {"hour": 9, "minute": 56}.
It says {"hour": 1, "minute": 43}
